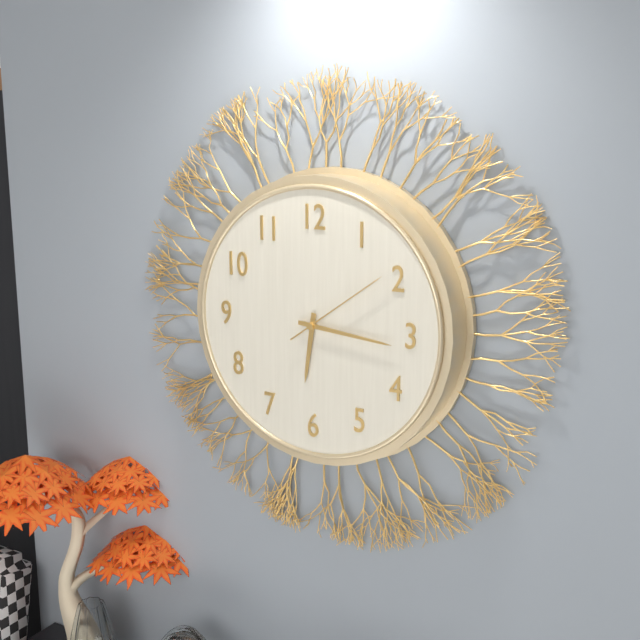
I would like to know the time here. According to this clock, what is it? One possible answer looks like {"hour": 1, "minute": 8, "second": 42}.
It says {"hour": 6, "minute": 16, "second": 9}
